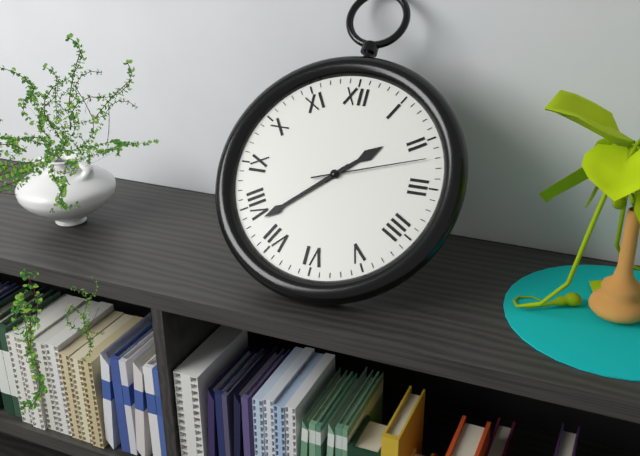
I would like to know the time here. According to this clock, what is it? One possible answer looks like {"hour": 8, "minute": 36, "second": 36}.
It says {"hour": 1, "minute": 38, "second": 12}
